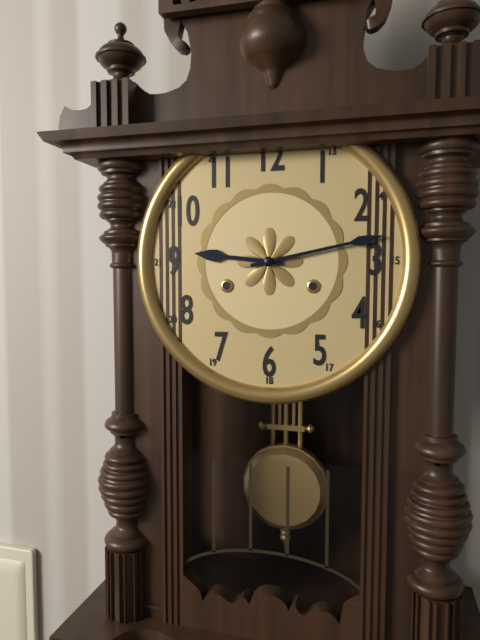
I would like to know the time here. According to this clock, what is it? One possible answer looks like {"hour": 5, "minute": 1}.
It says {"hour": 9, "minute": 13}
